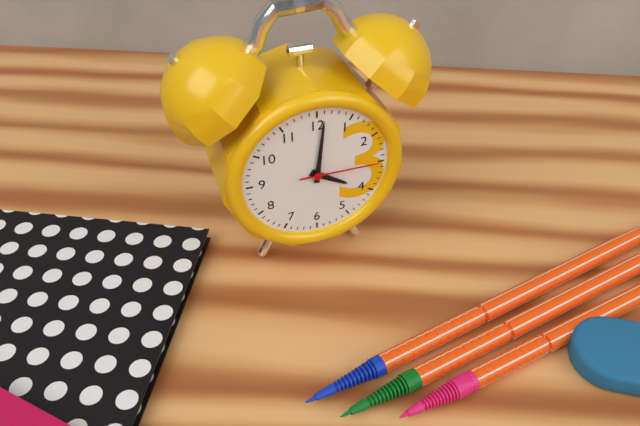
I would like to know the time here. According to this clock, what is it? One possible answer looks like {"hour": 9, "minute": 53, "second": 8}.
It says {"hour": 4, "minute": 1, "second": 15}
